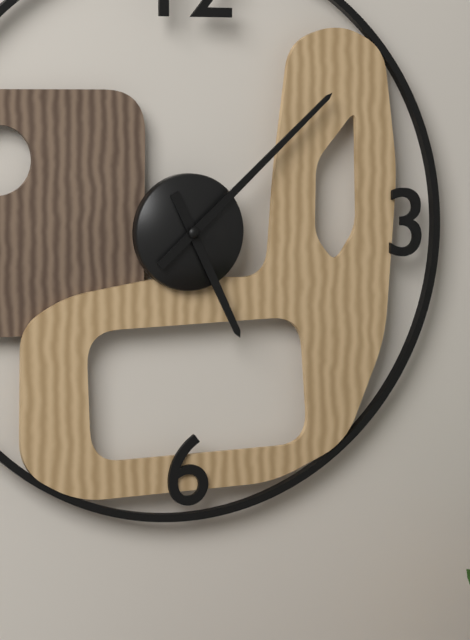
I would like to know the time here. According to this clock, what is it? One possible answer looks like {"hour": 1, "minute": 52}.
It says {"hour": 5, "minute": 8}
